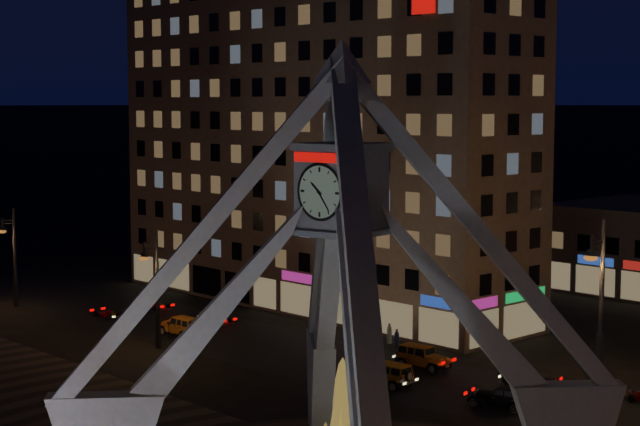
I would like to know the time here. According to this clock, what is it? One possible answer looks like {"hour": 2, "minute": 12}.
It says {"hour": 10, "minute": 24}
